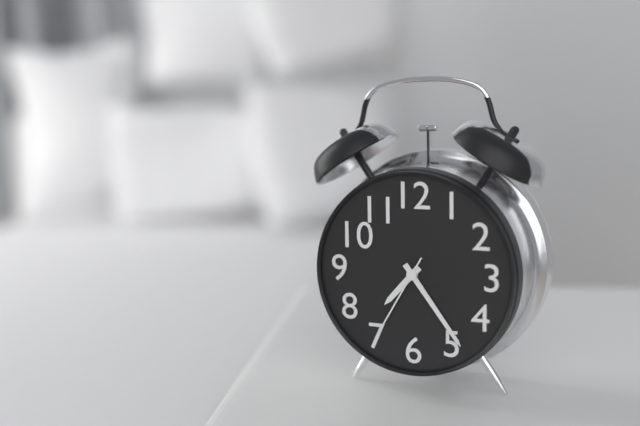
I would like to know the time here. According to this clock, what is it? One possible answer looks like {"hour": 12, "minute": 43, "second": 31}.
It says {"hour": 7, "minute": 24, "second": 35}
